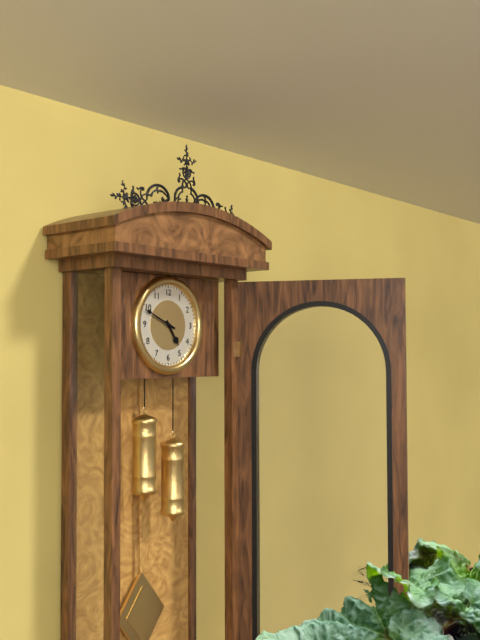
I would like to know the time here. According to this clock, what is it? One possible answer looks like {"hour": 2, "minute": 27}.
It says {"hour": 4, "minute": 49}
